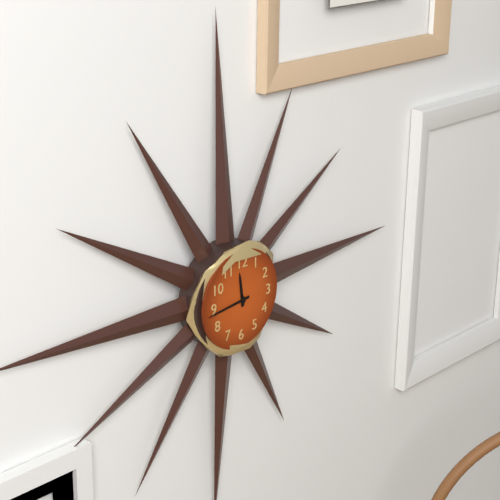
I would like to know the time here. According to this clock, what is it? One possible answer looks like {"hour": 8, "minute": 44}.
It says {"hour": 11, "minute": 44}
